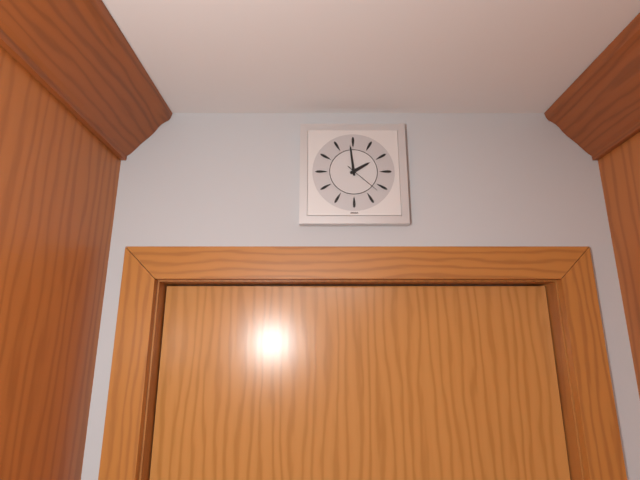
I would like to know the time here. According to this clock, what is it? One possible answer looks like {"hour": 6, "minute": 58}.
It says {"hour": 1, "minute": 59}
